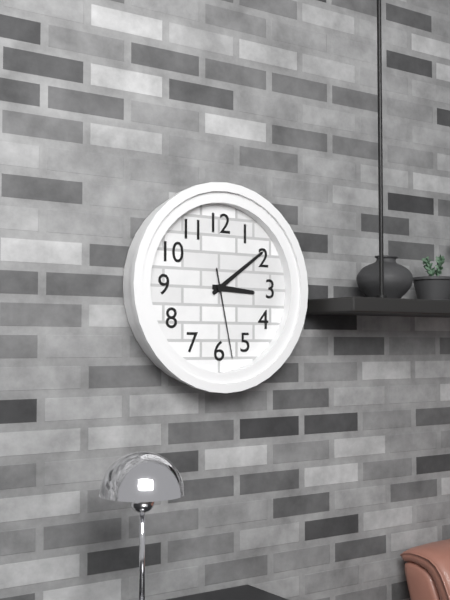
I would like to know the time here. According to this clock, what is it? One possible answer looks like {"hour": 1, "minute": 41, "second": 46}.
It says {"hour": 3, "minute": 9, "second": 28}
